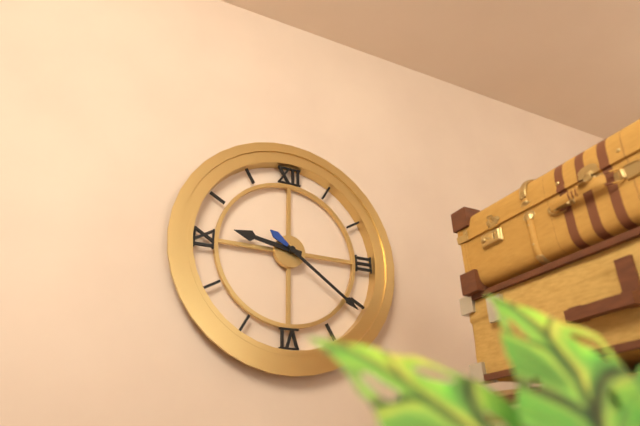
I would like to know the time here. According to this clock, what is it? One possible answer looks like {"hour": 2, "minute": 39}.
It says {"hour": 9, "minute": 21}
